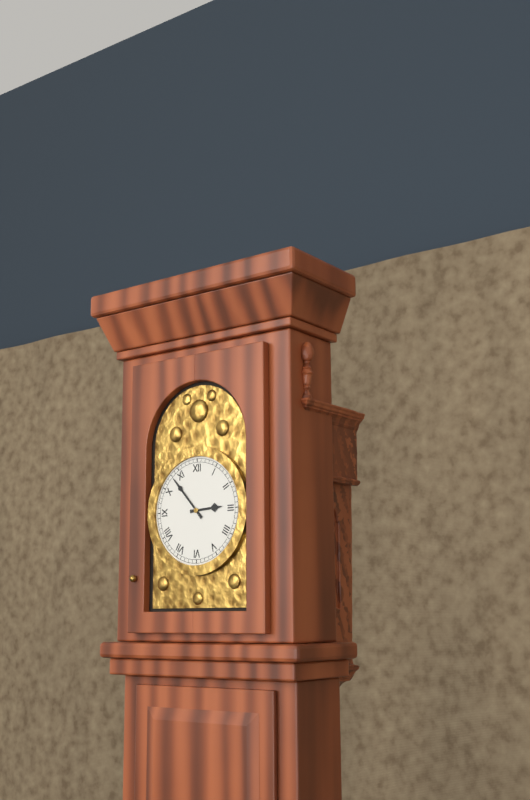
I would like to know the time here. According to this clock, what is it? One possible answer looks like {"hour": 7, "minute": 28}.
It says {"hour": 2, "minute": 53}
